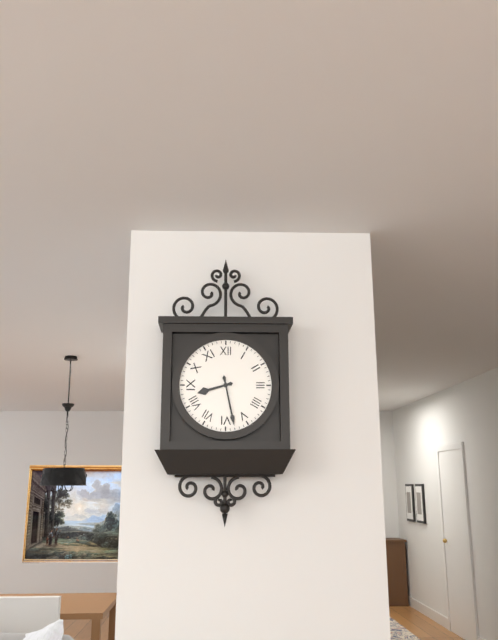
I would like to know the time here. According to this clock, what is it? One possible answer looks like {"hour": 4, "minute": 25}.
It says {"hour": 8, "minute": 28}
